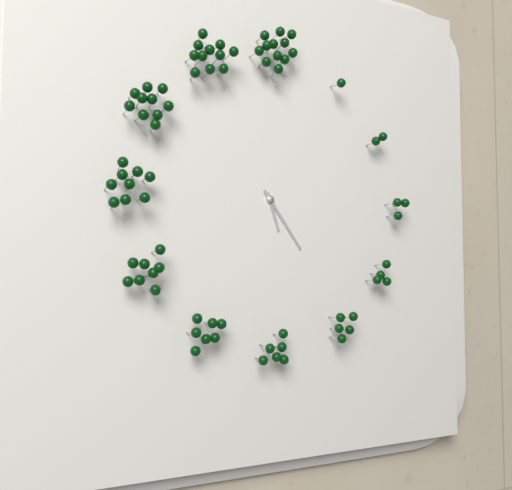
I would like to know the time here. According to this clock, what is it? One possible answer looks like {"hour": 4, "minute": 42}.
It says {"hour": 5, "minute": 24}
